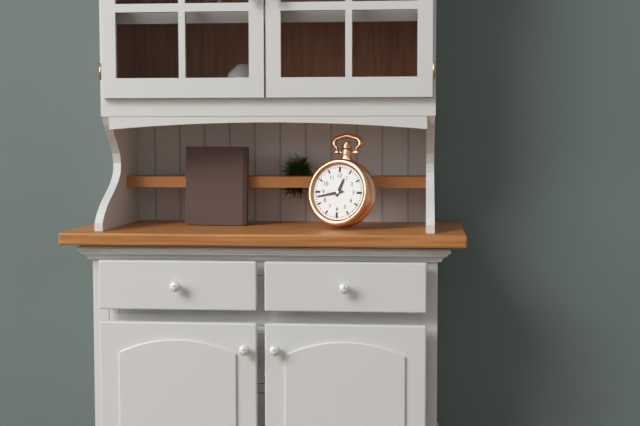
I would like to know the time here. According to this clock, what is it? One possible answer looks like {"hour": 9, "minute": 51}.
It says {"hour": 12, "minute": 43}
